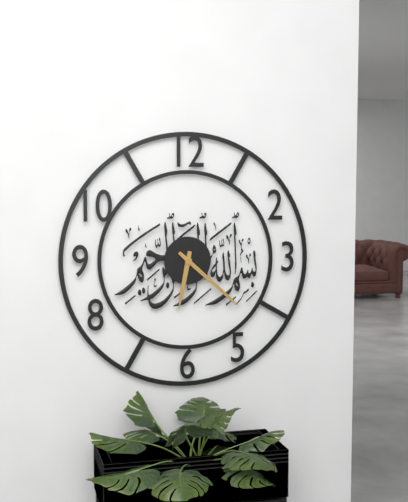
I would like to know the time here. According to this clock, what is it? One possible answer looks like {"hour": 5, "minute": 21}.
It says {"hour": 6, "minute": 22}
